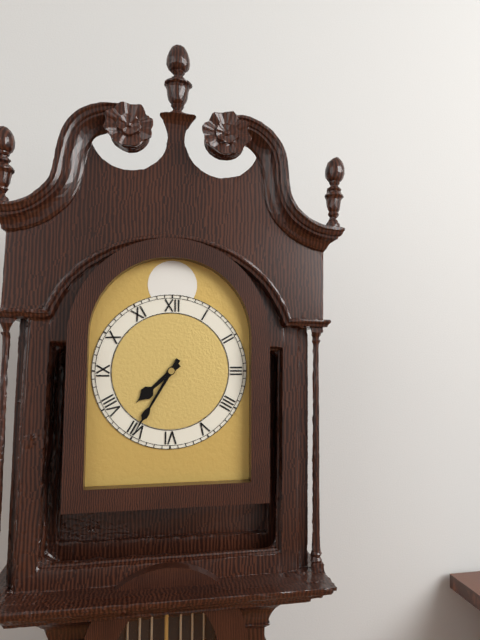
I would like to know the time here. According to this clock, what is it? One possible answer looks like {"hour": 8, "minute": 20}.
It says {"hour": 7, "minute": 35}
